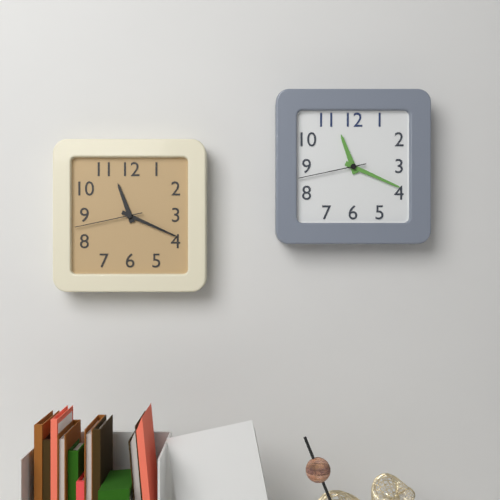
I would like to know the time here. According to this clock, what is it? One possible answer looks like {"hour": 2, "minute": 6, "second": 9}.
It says {"hour": 11, "minute": 19, "second": 43}
